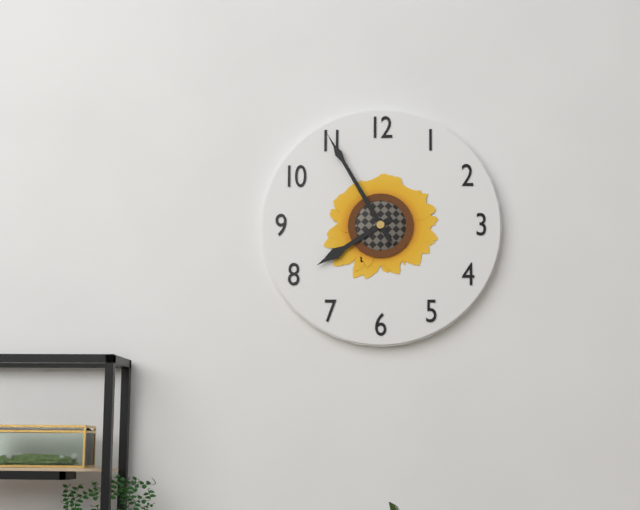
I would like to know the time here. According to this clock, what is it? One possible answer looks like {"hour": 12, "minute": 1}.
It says {"hour": 7, "minute": 55}
